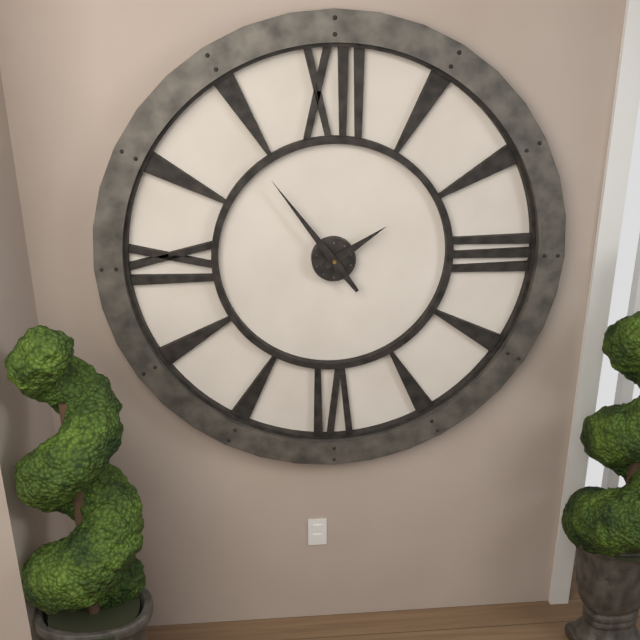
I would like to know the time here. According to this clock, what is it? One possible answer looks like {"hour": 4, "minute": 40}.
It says {"hour": 1, "minute": 54}
